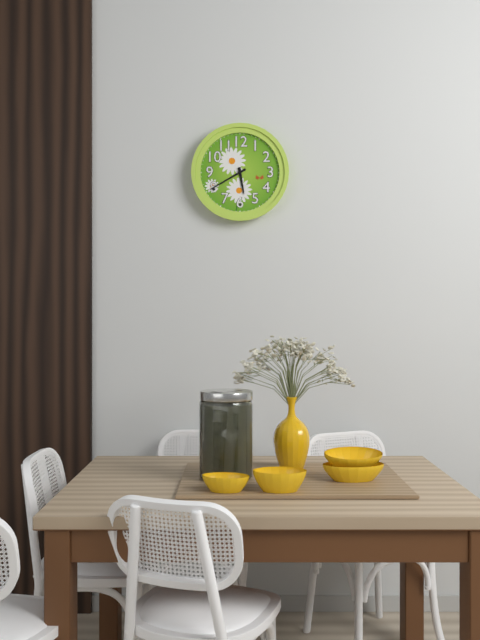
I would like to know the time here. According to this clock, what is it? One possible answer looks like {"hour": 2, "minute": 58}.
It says {"hour": 5, "minute": 40}
